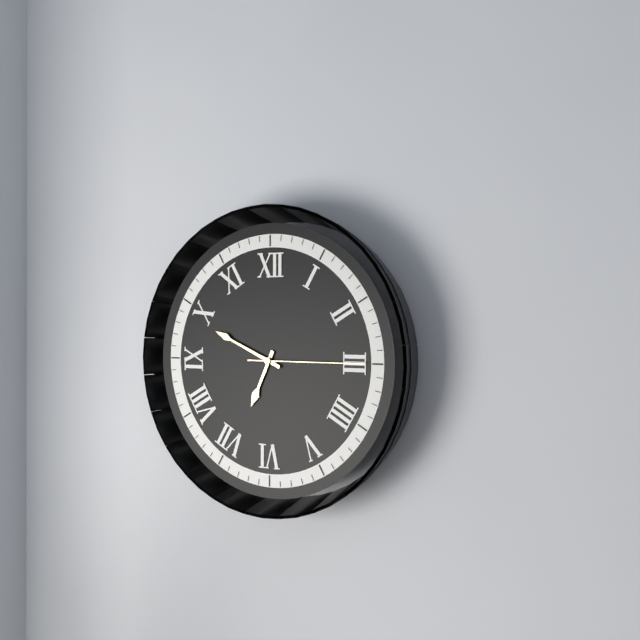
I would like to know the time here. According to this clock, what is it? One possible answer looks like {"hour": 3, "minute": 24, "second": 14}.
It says {"hour": 6, "minute": 49, "second": 15}
